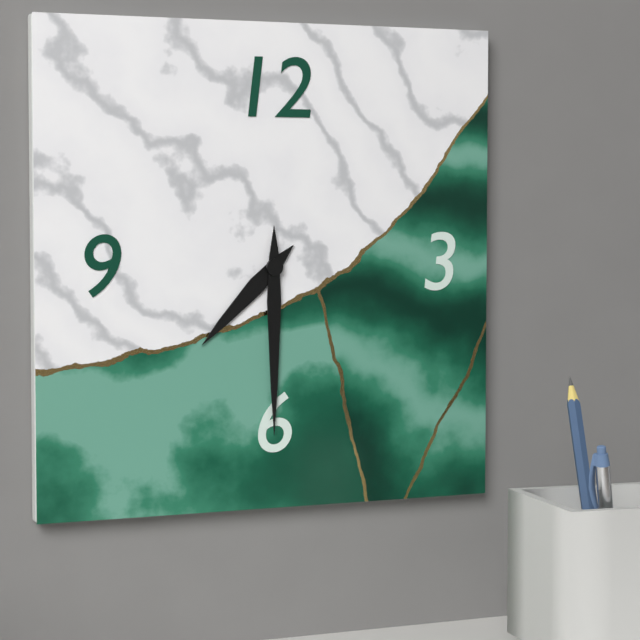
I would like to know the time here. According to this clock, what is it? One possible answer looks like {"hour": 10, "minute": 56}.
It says {"hour": 7, "minute": 30}
